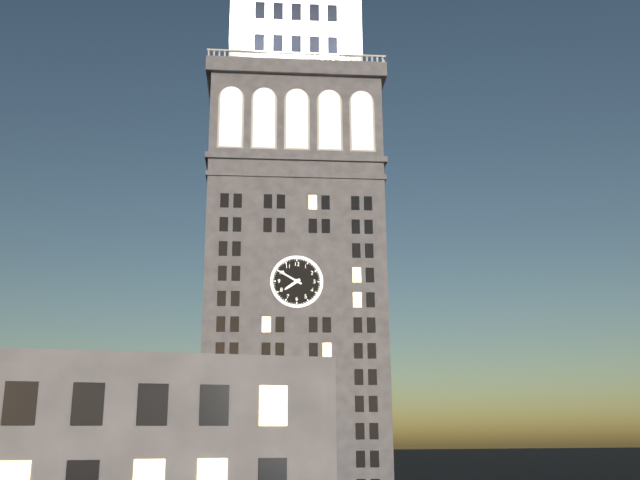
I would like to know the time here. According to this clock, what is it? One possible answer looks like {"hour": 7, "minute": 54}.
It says {"hour": 7, "minute": 50}
